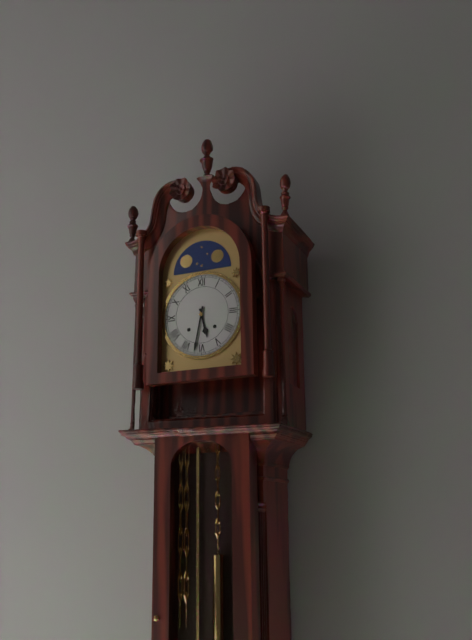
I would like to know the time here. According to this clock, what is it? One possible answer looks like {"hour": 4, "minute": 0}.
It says {"hour": 5, "minute": 32}
